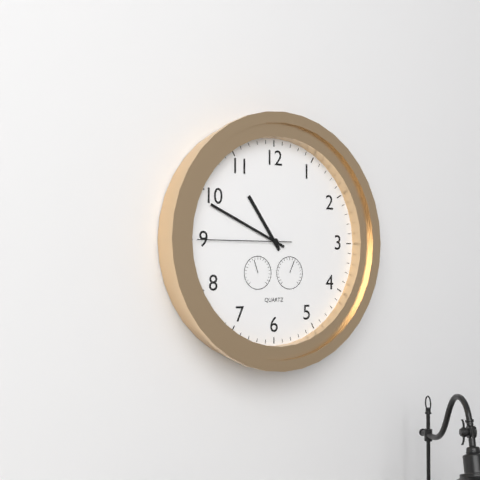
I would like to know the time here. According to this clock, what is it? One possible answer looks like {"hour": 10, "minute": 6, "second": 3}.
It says {"hour": 10, "minute": 49, "second": 45}
